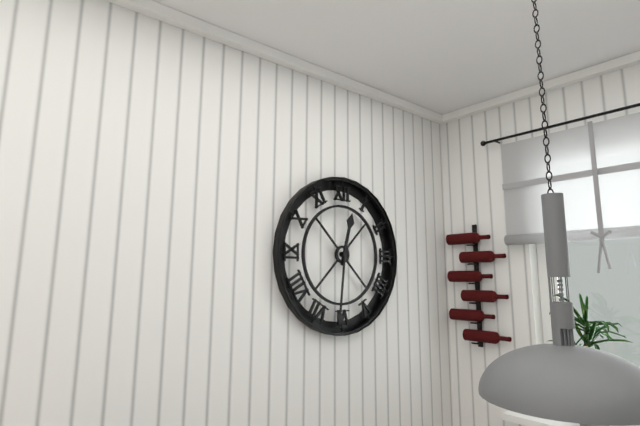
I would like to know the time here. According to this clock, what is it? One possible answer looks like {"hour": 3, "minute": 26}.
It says {"hour": 12, "minute": 31}
